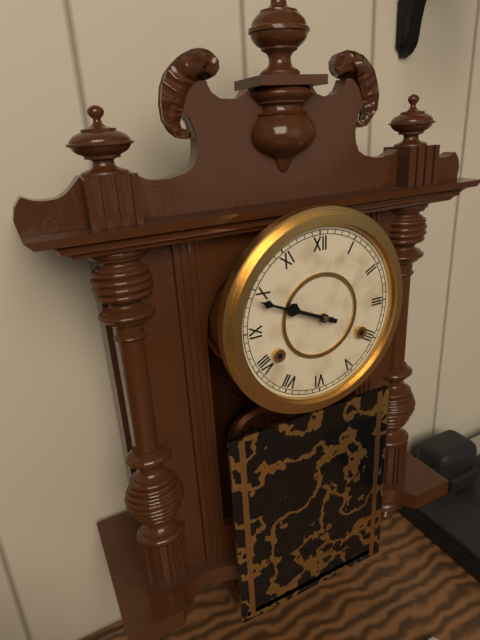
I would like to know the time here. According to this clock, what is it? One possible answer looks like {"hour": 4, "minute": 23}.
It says {"hour": 9, "minute": 49}
